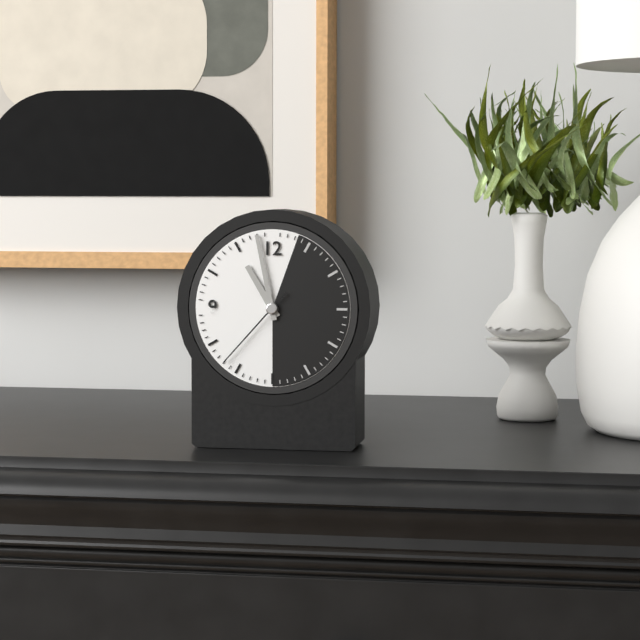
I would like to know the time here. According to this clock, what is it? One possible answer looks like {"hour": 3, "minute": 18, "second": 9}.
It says {"hour": 10, "minute": 58, "second": 37}
